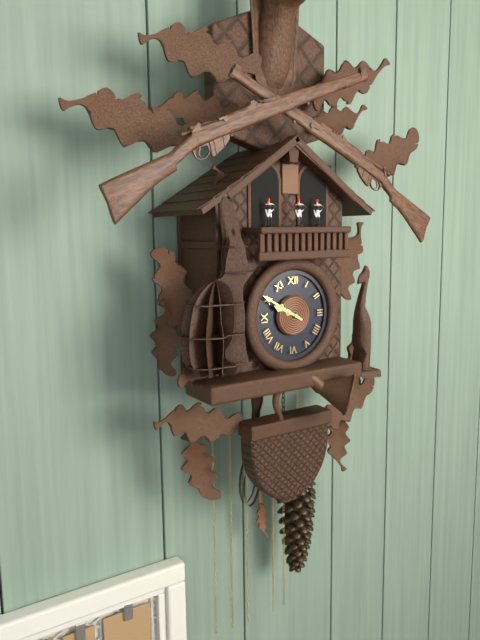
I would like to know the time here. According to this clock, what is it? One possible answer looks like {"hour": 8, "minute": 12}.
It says {"hour": 9, "minute": 50}
